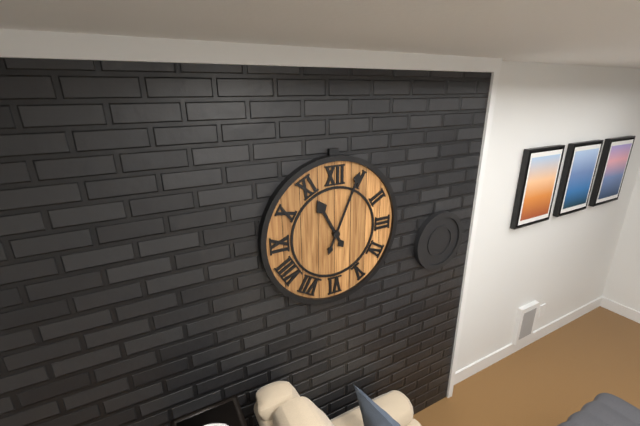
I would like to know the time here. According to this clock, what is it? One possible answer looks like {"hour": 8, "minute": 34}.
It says {"hour": 11, "minute": 4}
